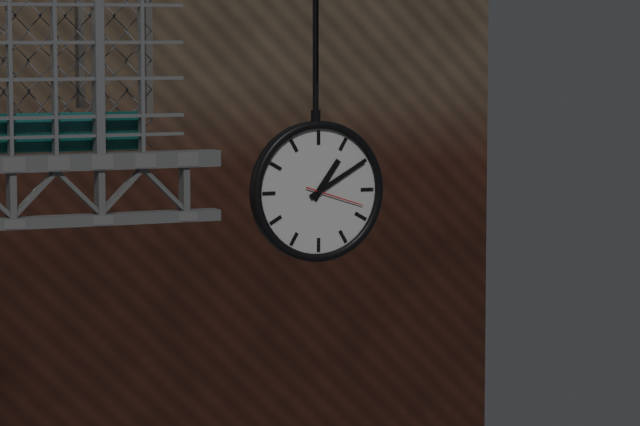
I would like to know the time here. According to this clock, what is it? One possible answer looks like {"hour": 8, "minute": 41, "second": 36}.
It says {"hour": 1, "minute": 10, "second": 18}
